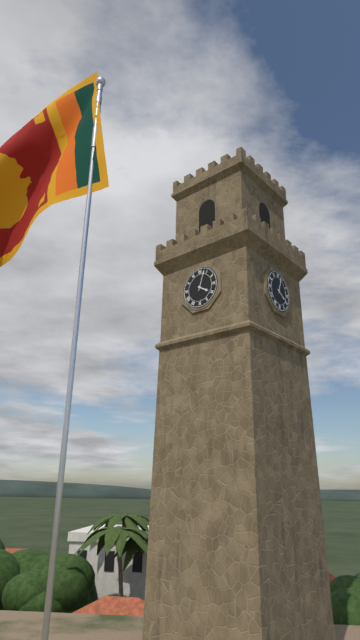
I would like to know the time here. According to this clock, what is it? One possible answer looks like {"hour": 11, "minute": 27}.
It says {"hour": 4, "minute": 3}
